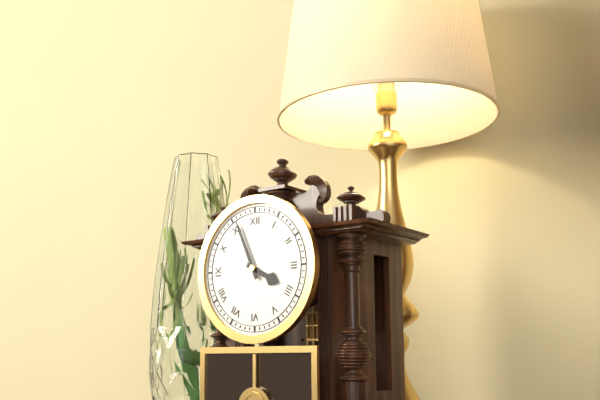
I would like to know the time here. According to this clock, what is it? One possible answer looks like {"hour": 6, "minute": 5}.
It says {"hour": 3, "minute": 56}
